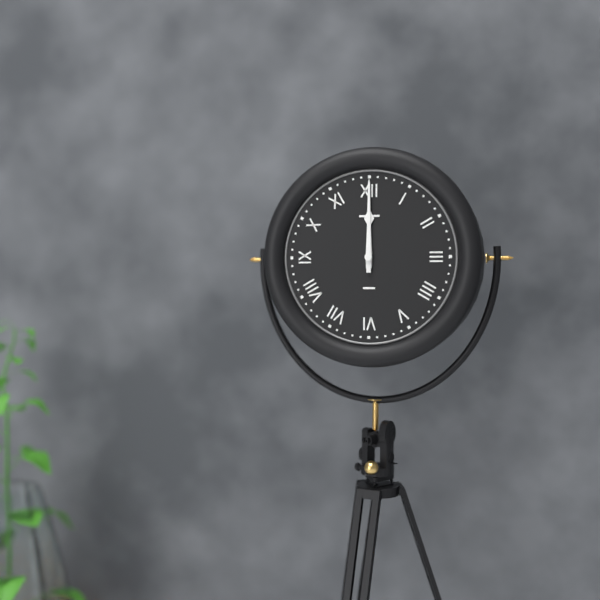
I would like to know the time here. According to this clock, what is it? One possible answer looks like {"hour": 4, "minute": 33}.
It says {"hour": 12, "minute": 0}
